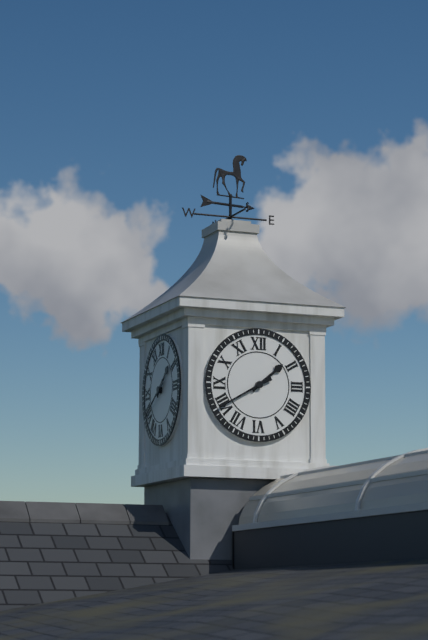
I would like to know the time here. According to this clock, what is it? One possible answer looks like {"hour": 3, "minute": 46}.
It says {"hour": 1, "minute": 40}
